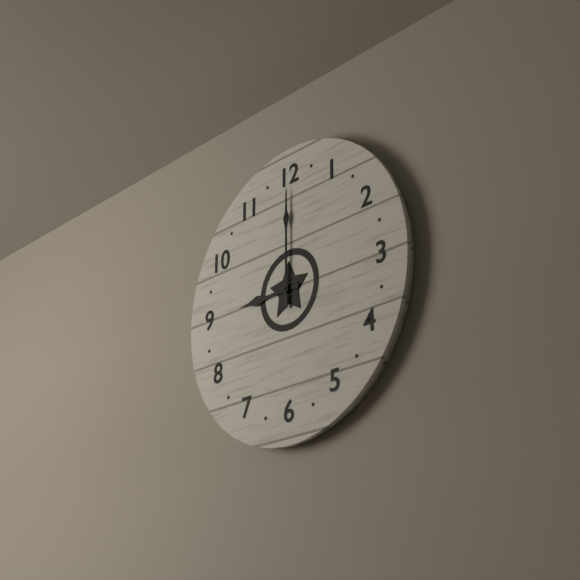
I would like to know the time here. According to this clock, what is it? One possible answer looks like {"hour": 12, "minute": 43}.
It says {"hour": 9, "minute": 0}
